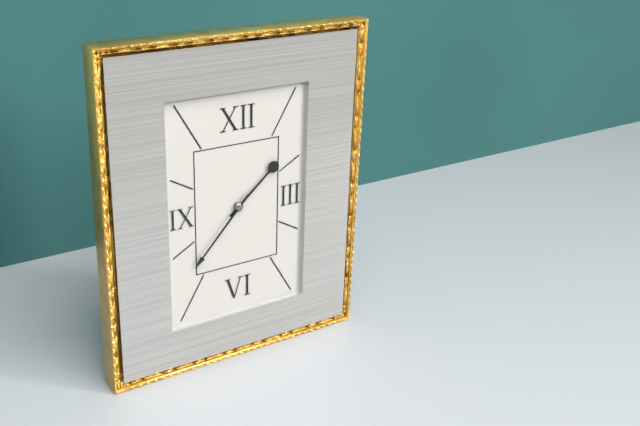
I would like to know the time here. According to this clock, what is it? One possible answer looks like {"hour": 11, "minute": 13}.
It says {"hour": 1, "minute": 37}
